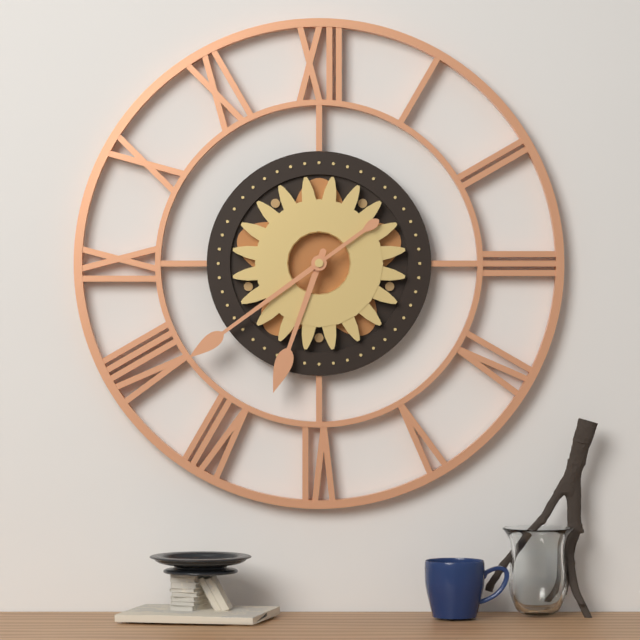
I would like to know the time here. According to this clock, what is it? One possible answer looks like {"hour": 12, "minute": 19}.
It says {"hour": 6, "minute": 39}
